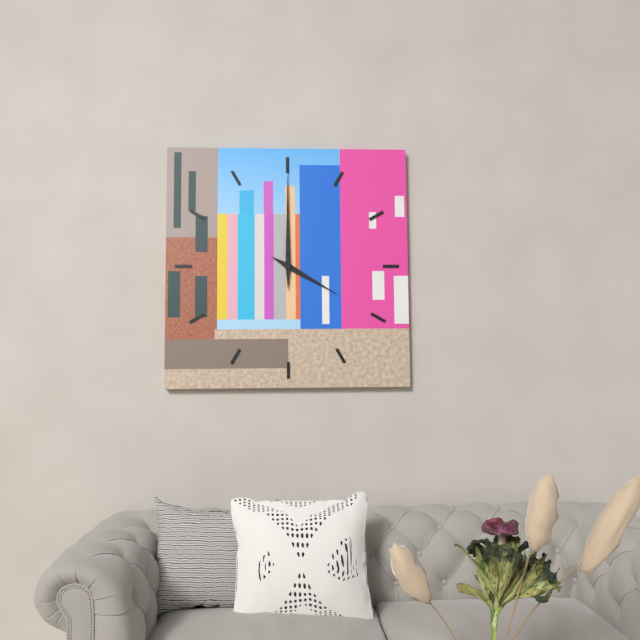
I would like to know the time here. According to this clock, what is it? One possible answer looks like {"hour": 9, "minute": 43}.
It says {"hour": 4, "minute": 0}
